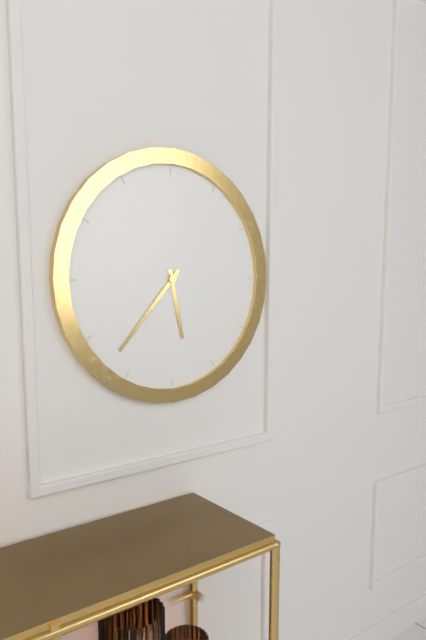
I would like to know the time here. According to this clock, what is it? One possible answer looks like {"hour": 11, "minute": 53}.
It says {"hour": 5, "minute": 37}
